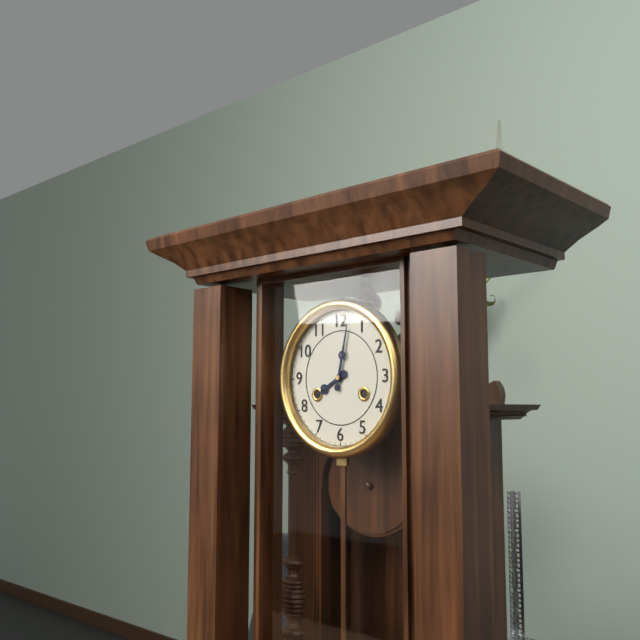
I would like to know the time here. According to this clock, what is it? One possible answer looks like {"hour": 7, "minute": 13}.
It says {"hour": 8, "minute": 2}
